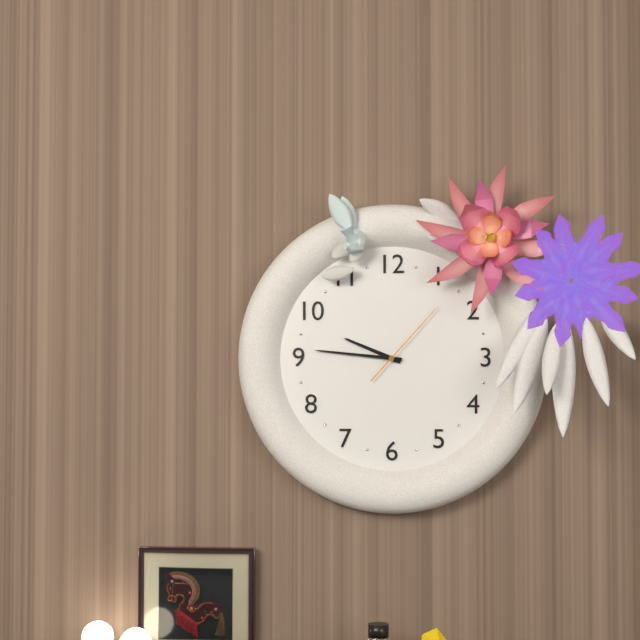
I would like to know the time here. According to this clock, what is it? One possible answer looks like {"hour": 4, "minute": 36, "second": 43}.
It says {"hour": 9, "minute": 46, "second": 7}
